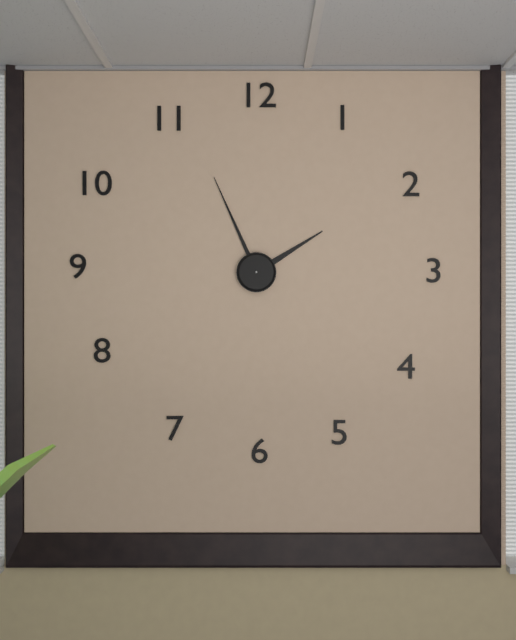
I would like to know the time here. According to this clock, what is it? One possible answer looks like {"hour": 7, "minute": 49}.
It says {"hour": 1, "minute": 56}
